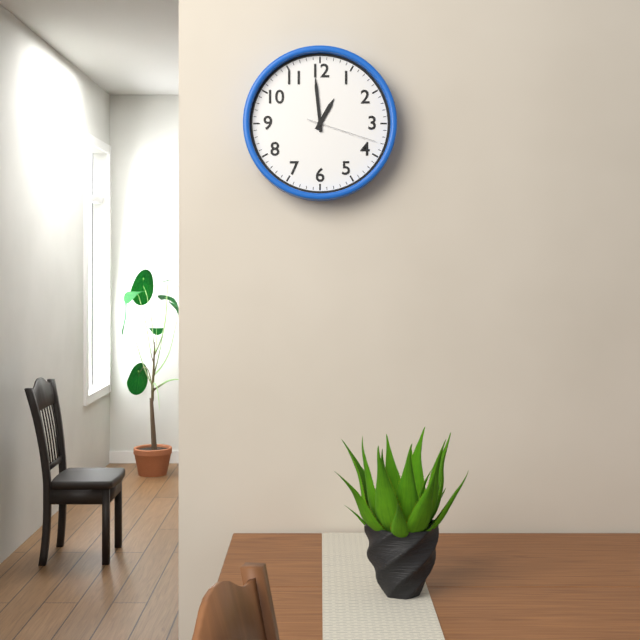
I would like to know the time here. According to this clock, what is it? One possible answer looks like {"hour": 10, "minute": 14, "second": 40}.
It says {"hour": 12, "minute": 59, "second": 18}
